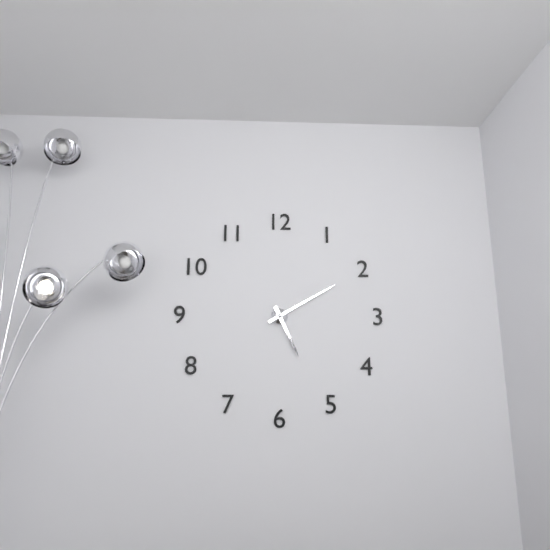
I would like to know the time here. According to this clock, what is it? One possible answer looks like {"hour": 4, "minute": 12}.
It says {"hour": 5, "minute": 10}
